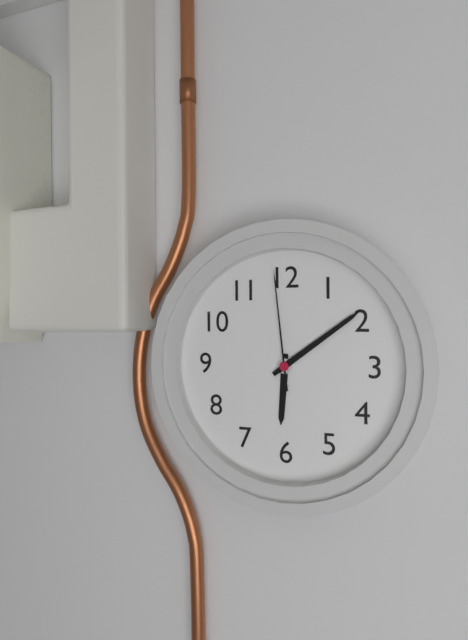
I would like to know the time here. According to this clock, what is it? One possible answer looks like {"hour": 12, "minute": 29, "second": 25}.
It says {"hour": 6, "minute": 9, "second": 59}
